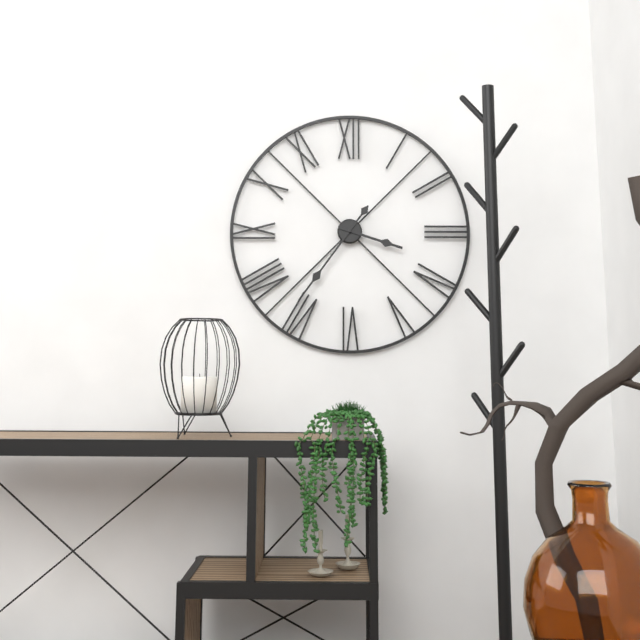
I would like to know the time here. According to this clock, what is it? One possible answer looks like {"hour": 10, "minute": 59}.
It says {"hour": 3, "minute": 36}
